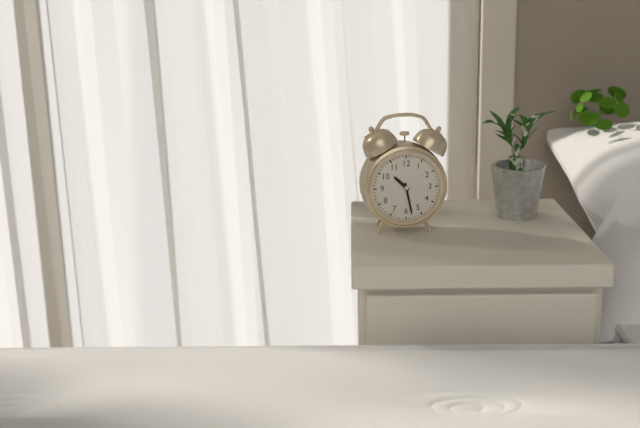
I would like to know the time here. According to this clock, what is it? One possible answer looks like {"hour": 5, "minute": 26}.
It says {"hour": 10, "minute": 28}
